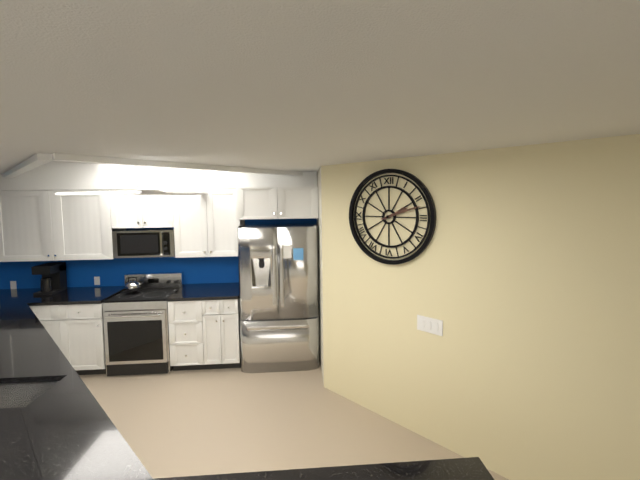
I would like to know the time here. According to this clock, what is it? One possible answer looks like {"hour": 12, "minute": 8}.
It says {"hour": 2, "minute": 12}
